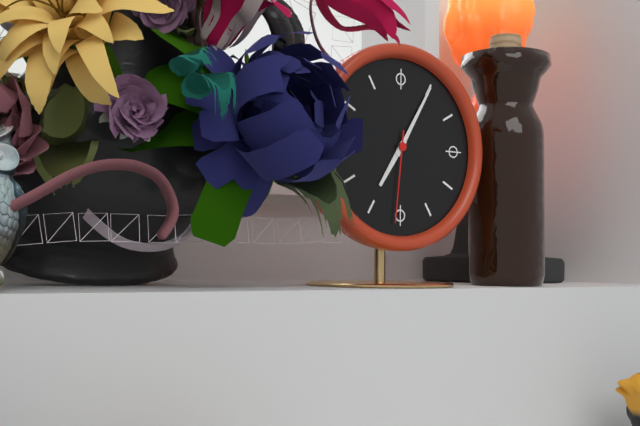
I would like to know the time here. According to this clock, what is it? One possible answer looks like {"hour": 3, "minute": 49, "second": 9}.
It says {"hour": 7, "minute": 5, "second": 31}
